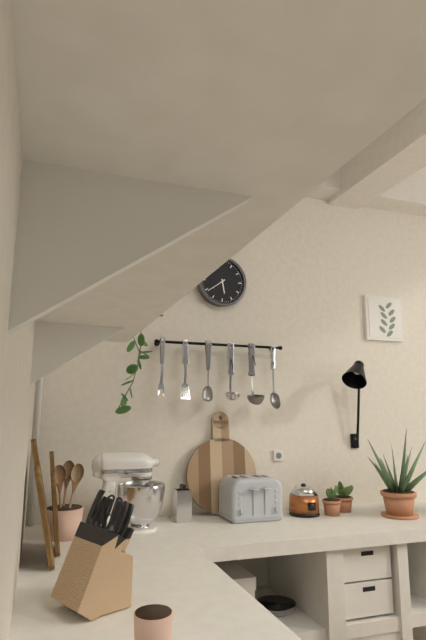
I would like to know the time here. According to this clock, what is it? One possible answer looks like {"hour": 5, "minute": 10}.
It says {"hour": 5, "minute": 39}
